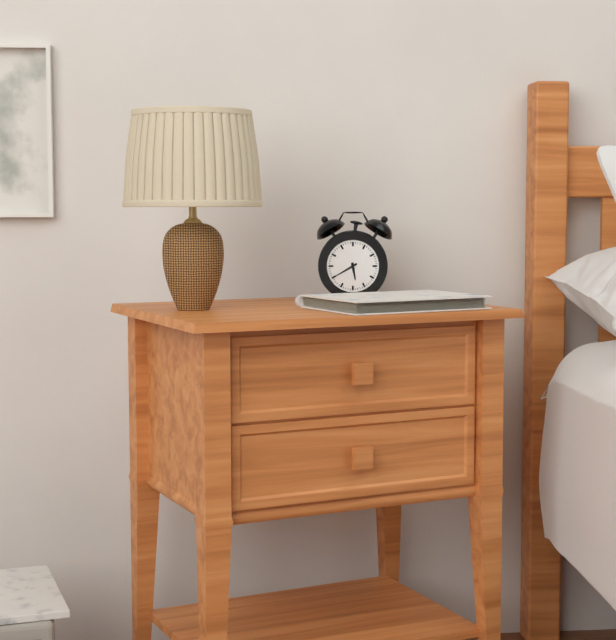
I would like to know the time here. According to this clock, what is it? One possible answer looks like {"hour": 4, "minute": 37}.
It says {"hour": 5, "minute": 40}
